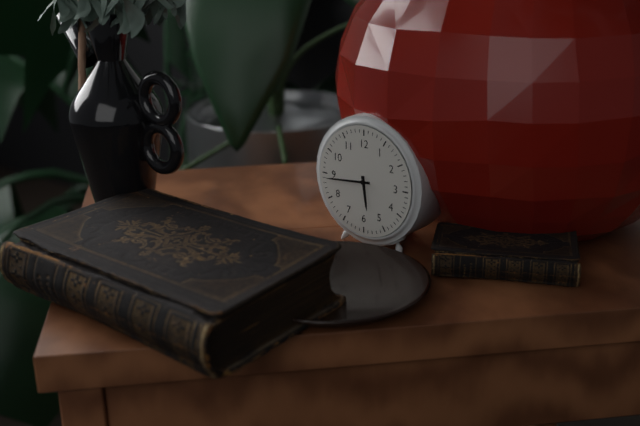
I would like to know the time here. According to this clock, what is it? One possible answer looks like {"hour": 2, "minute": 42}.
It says {"hour": 5, "minute": 44}
